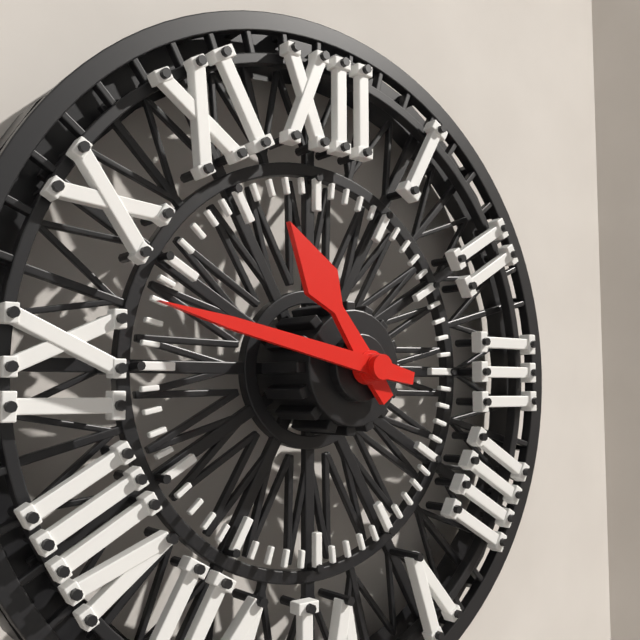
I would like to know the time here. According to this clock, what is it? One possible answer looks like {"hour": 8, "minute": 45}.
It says {"hour": 10, "minute": 47}
